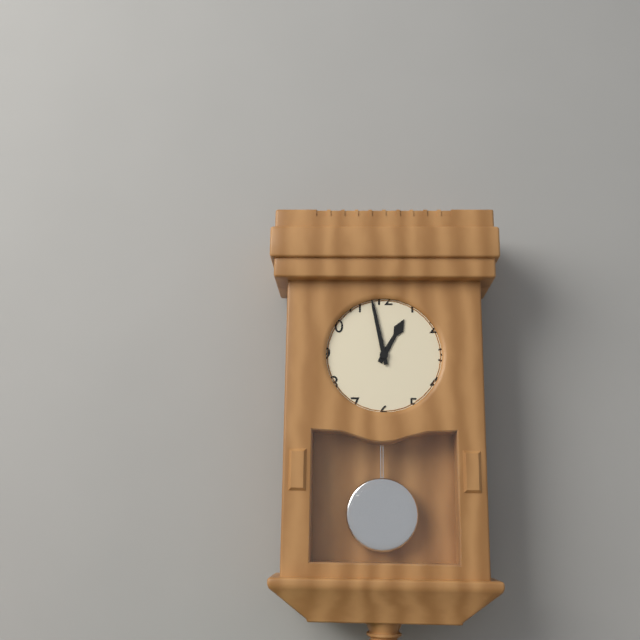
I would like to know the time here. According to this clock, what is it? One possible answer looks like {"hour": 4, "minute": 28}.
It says {"hour": 12, "minute": 58}
